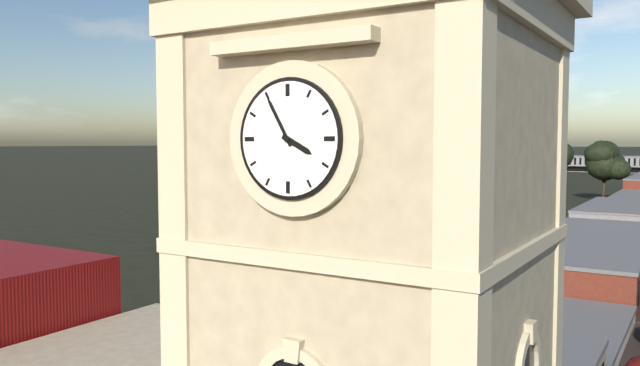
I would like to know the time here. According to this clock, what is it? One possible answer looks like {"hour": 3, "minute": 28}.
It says {"hour": 3, "minute": 55}
